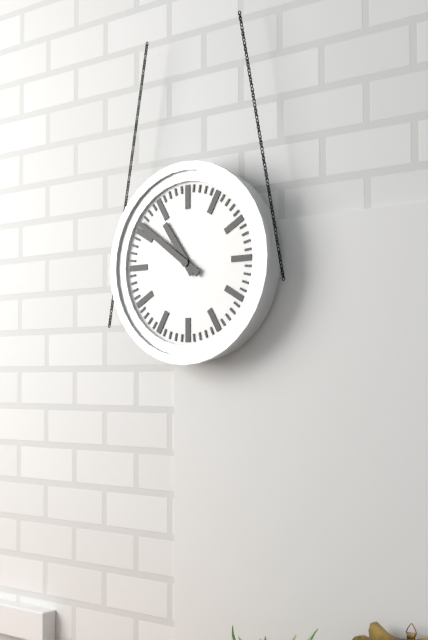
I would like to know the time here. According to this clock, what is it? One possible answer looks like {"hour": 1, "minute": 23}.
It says {"hour": 10, "minute": 51}
